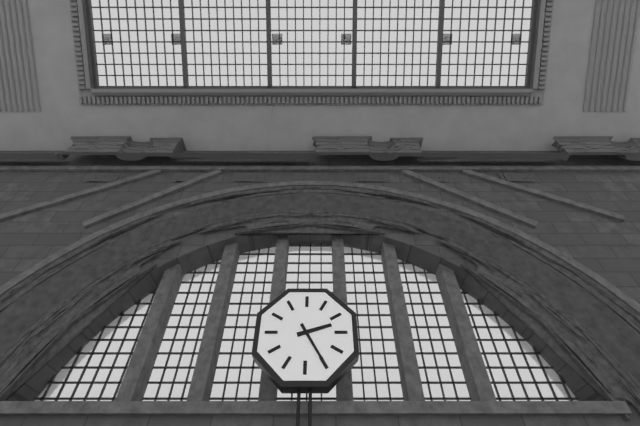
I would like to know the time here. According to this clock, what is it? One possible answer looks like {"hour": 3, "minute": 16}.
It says {"hour": 2, "minute": 25}
